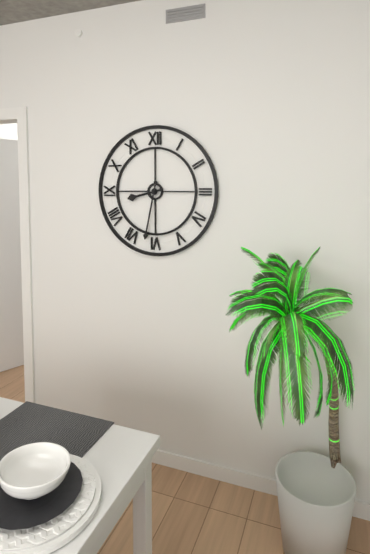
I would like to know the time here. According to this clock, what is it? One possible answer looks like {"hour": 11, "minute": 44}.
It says {"hour": 8, "minute": 32}
